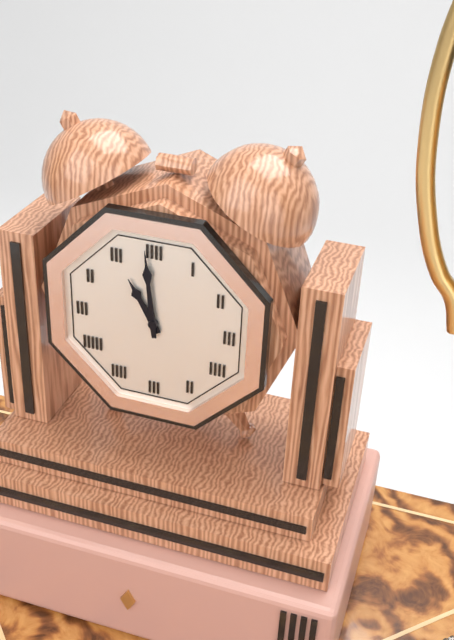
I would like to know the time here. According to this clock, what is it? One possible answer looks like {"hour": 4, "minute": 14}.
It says {"hour": 10, "minute": 59}
